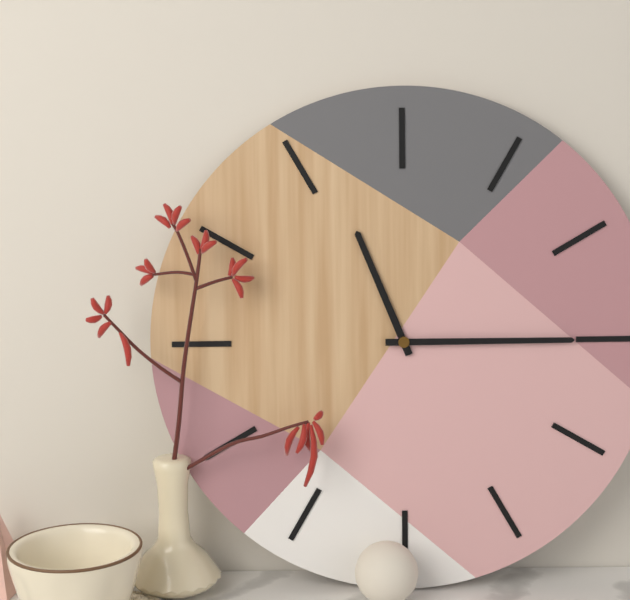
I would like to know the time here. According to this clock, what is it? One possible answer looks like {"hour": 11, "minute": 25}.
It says {"hour": 11, "minute": 15}
